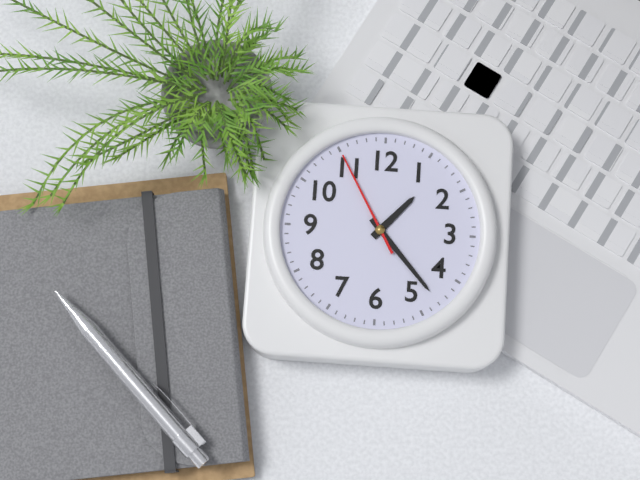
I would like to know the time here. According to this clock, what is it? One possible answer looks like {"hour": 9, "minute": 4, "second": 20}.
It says {"hour": 1, "minute": 23, "second": 55}
